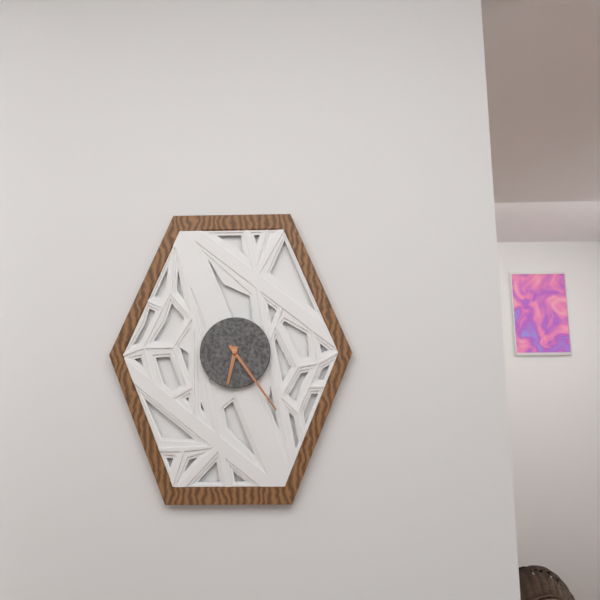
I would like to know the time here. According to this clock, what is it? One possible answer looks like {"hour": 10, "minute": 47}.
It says {"hour": 6, "minute": 24}
